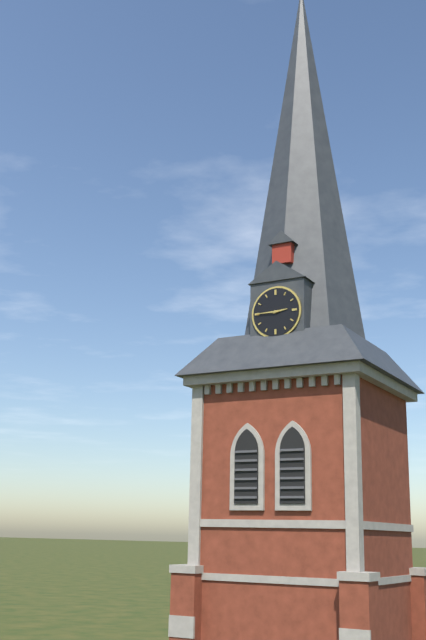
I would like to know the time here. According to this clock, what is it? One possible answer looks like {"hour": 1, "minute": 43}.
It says {"hour": 2, "minute": 45}
